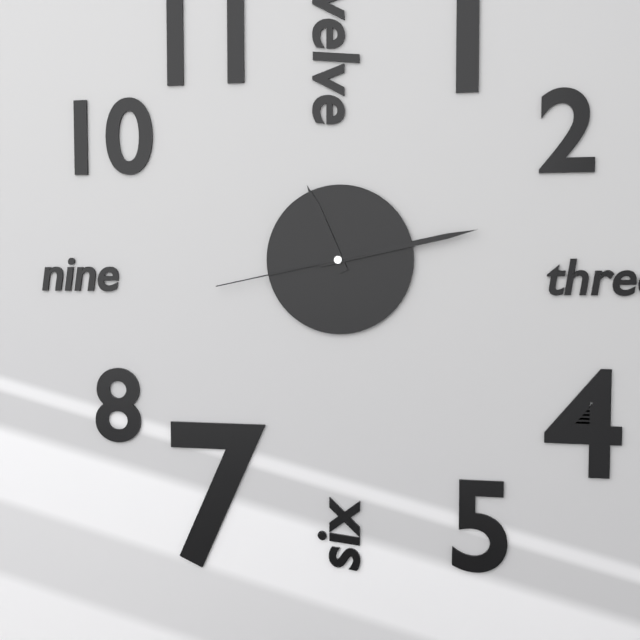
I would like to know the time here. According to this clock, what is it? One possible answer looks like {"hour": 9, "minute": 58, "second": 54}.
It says {"hour": 11, "minute": 13, "second": 43}
